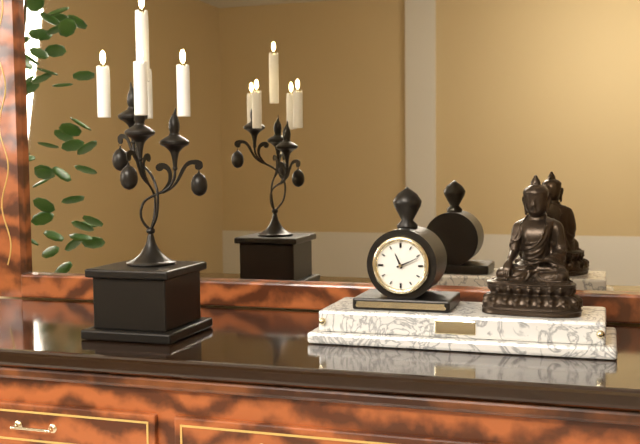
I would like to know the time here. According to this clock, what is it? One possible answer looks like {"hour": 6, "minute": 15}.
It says {"hour": 11, "minute": 11}
